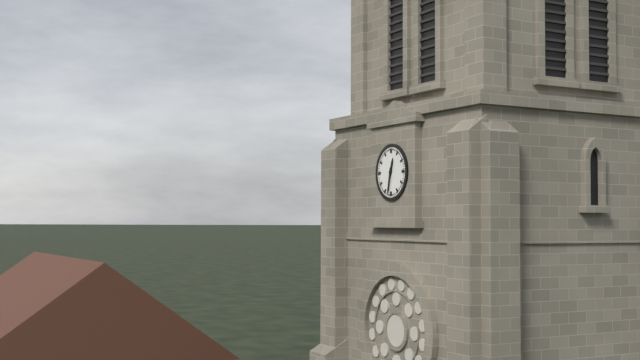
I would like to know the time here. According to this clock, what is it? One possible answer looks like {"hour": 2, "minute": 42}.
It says {"hour": 12, "minute": 32}
